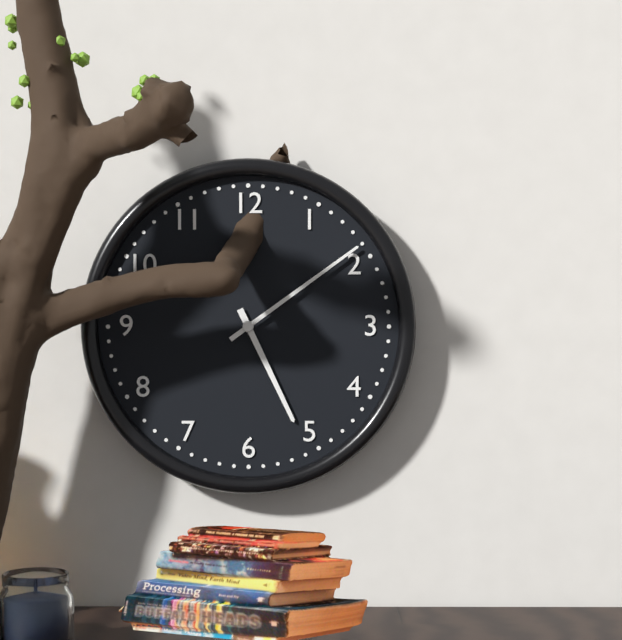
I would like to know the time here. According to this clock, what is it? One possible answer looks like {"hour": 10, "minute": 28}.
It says {"hour": 5, "minute": 9}
